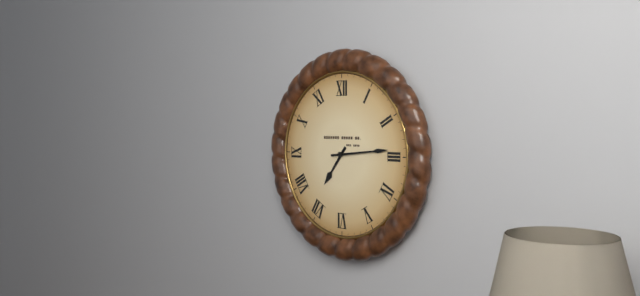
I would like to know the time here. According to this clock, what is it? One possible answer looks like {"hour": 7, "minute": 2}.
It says {"hour": 7, "minute": 14}
